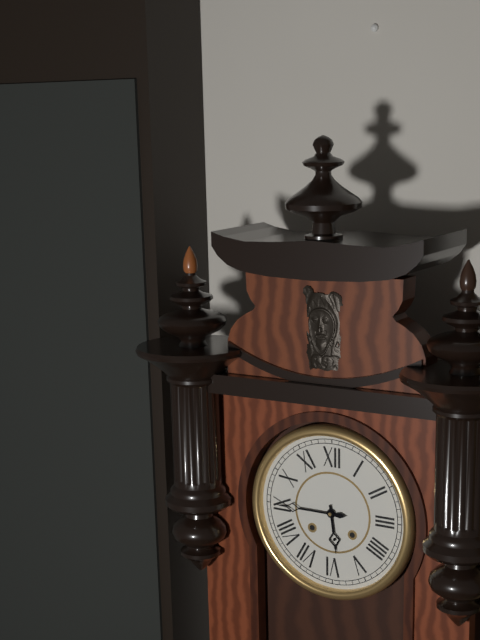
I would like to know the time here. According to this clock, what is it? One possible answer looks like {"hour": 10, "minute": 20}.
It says {"hour": 5, "minute": 45}
